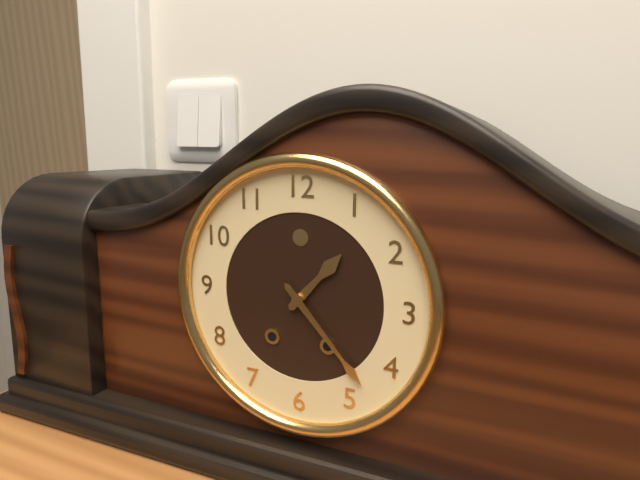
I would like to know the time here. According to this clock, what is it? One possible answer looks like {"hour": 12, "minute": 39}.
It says {"hour": 1, "minute": 23}
